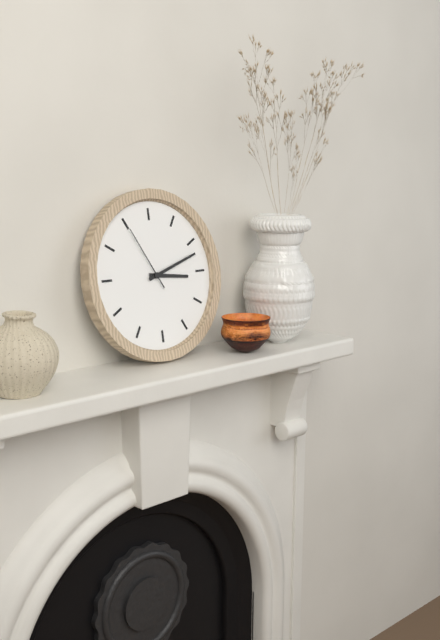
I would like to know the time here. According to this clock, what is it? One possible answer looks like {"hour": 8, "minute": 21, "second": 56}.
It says {"hour": 3, "minute": 12, "second": 55}
